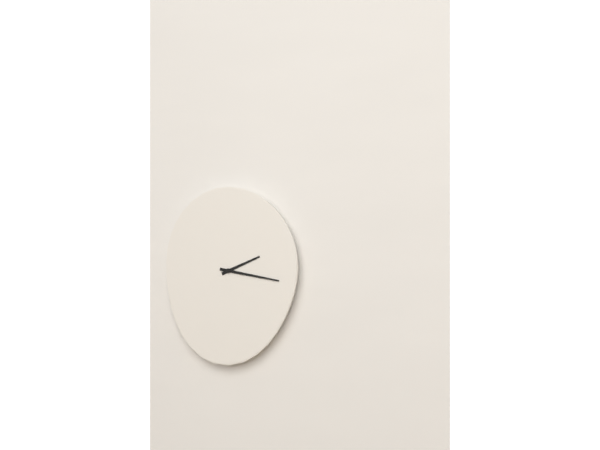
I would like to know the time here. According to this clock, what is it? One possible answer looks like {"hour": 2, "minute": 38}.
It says {"hour": 2, "minute": 17}
